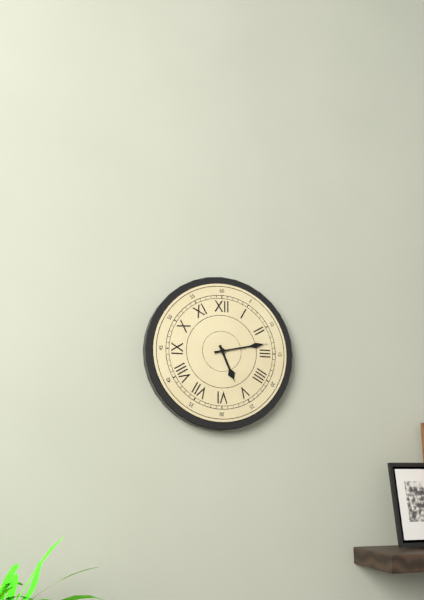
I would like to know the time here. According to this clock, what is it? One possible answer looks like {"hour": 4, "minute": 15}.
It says {"hour": 5, "minute": 13}
